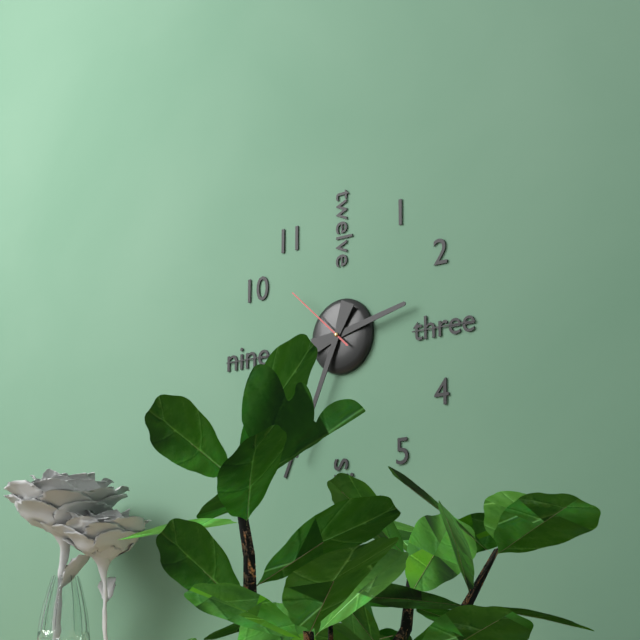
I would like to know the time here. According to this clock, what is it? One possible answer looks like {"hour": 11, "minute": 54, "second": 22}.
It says {"hour": 2, "minute": 34, "second": 52}
